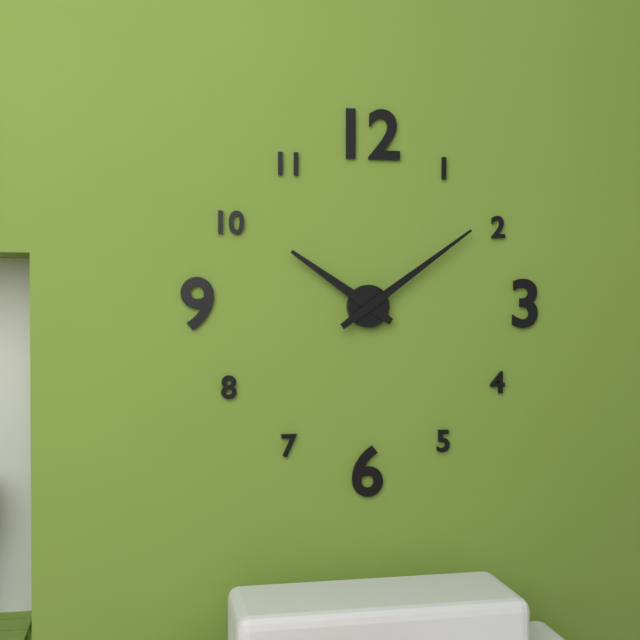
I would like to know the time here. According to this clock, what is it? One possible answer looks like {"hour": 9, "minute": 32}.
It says {"hour": 10, "minute": 9}
